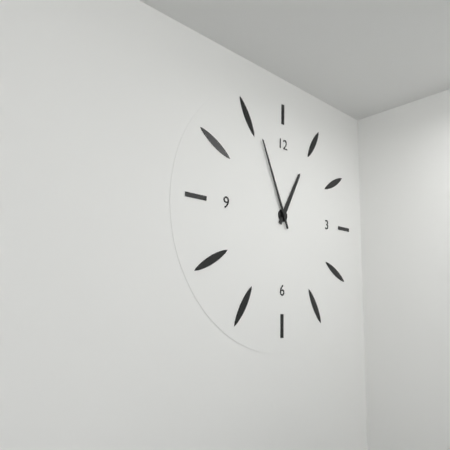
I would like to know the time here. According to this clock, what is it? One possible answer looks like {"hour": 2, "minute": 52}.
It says {"hour": 12, "minute": 56}
